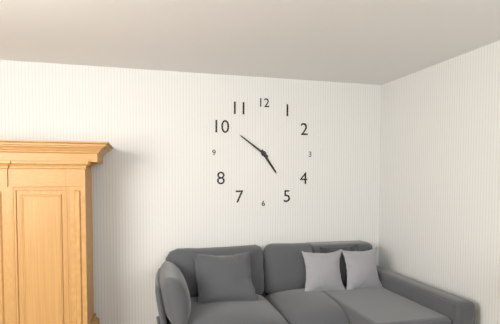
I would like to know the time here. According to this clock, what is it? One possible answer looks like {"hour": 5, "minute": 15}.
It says {"hour": 4, "minute": 51}
